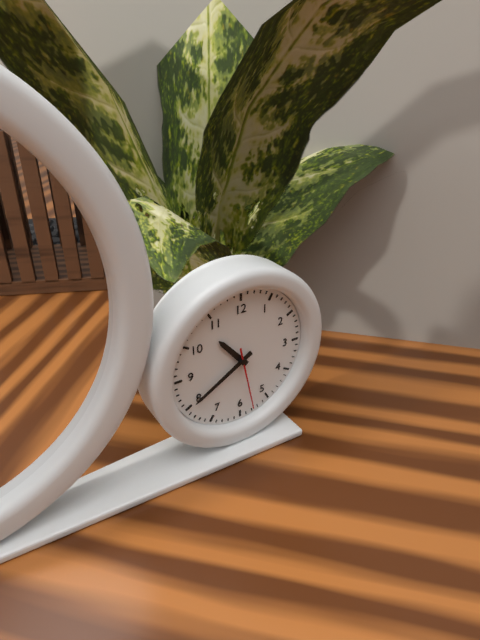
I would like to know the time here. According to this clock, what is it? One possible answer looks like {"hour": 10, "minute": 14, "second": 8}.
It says {"hour": 10, "minute": 40, "second": 28}
